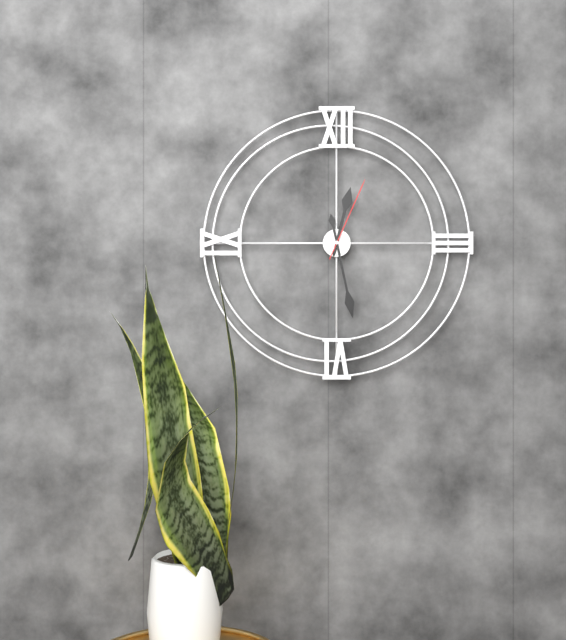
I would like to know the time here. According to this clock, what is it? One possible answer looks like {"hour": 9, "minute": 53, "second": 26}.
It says {"hour": 12, "minute": 28, "second": 4}
